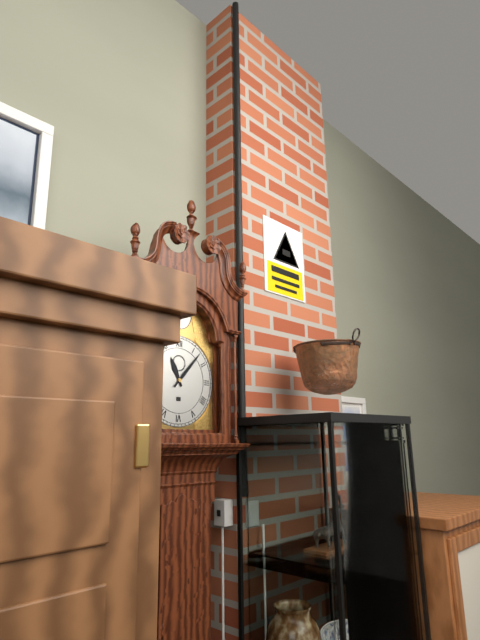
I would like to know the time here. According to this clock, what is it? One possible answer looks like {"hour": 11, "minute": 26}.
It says {"hour": 11, "minute": 7}
